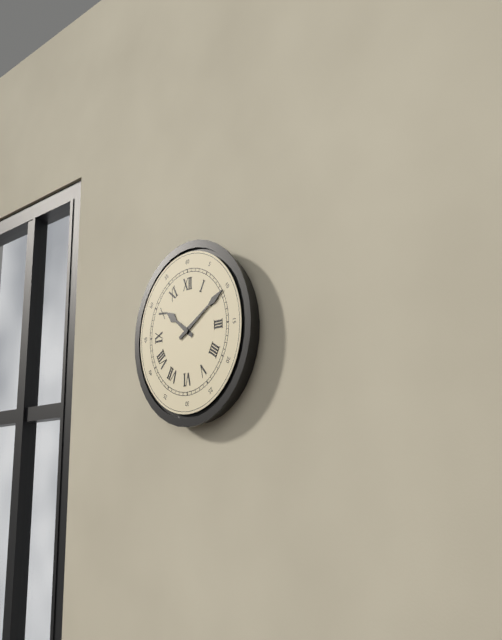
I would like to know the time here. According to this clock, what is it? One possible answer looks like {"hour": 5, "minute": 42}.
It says {"hour": 10, "minute": 10}
